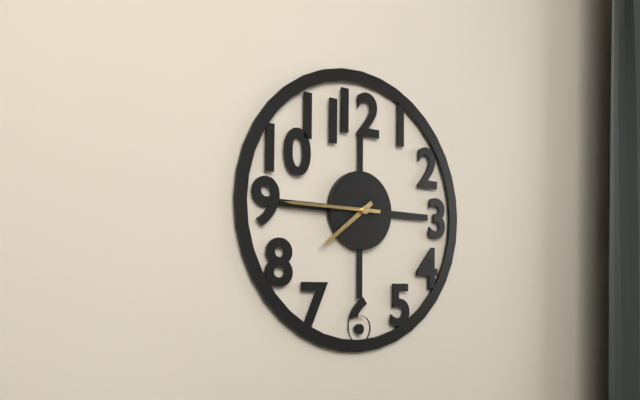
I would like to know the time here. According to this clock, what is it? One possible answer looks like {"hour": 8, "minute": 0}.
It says {"hour": 7, "minute": 45}
